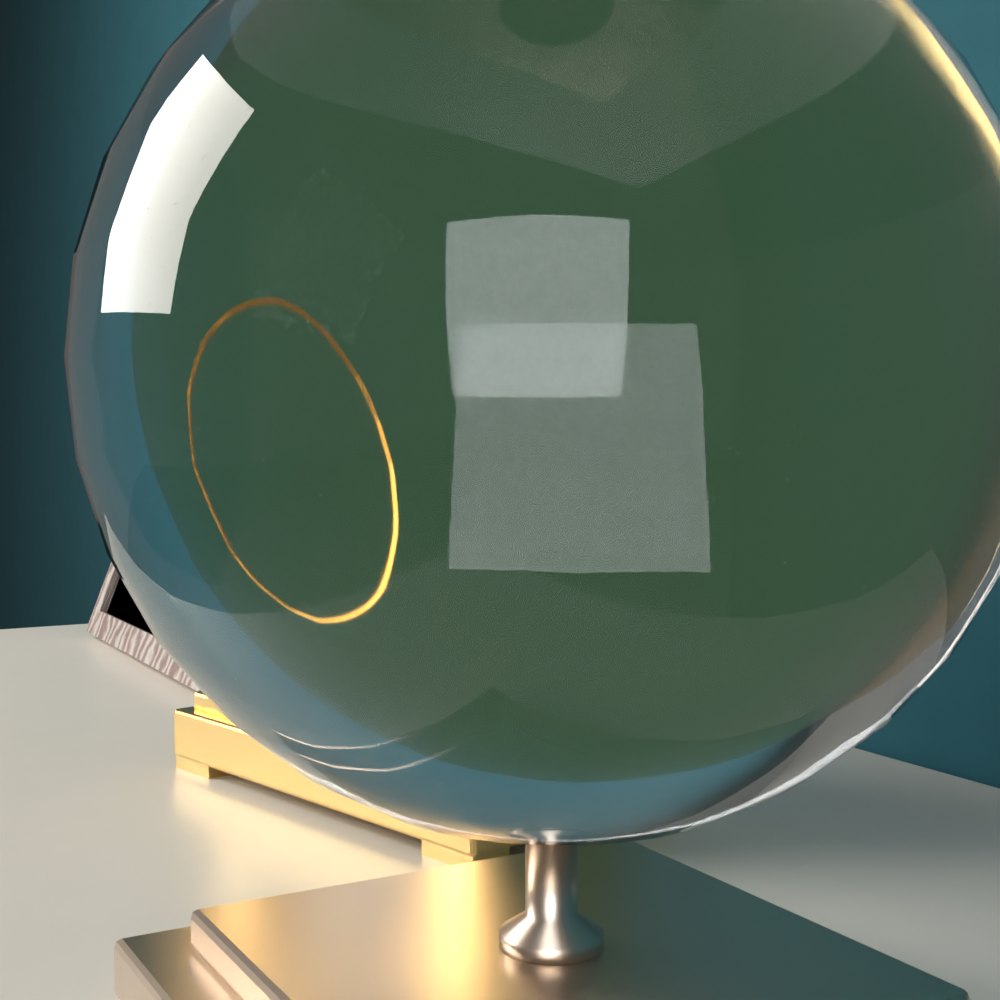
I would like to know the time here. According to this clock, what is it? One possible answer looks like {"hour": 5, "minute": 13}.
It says {"hour": 3, "minute": 0}
